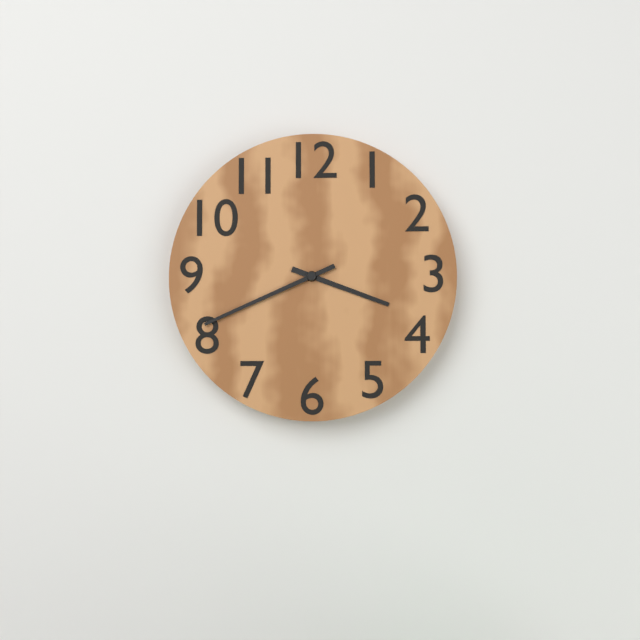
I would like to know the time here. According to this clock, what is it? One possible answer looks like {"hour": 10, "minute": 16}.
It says {"hour": 3, "minute": 41}
